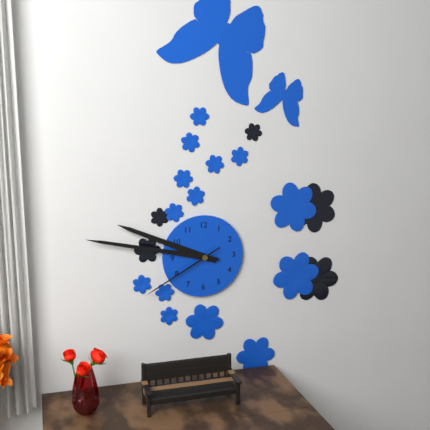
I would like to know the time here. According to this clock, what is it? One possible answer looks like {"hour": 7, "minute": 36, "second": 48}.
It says {"hour": 9, "minute": 47, "second": 40}
